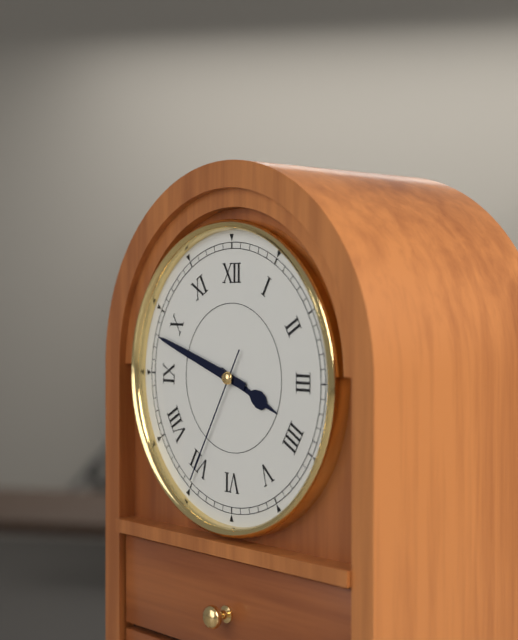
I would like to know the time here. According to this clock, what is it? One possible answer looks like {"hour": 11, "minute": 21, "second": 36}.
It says {"hour": 3, "minute": 48, "second": 35}
